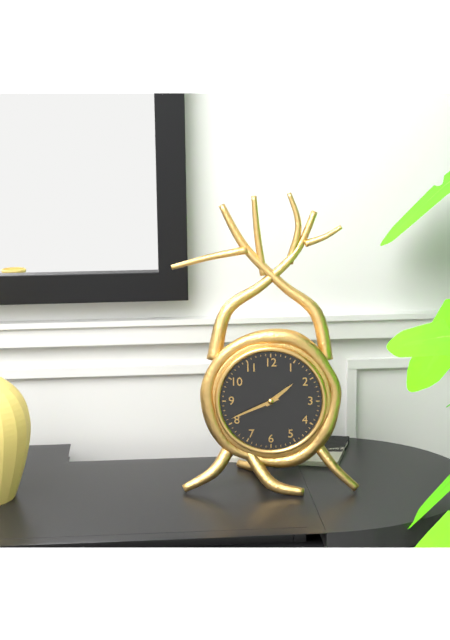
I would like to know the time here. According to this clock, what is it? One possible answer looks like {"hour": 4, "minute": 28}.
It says {"hour": 1, "minute": 41}
